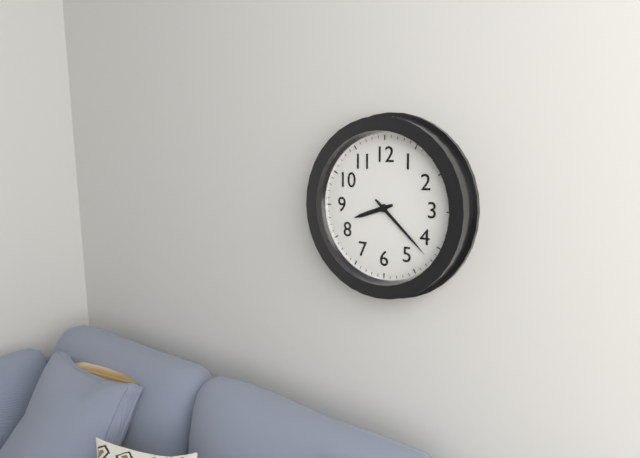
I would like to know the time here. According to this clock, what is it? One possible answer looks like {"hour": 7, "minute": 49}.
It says {"hour": 8, "minute": 22}
